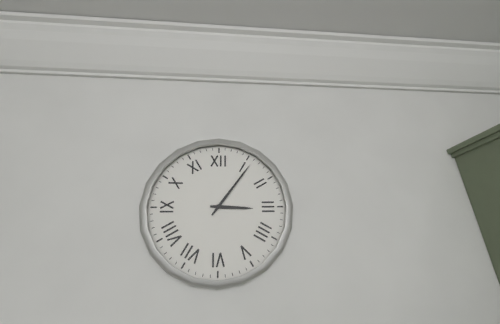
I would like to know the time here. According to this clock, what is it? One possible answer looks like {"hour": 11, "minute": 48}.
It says {"hour": 3, "minute": 6}
